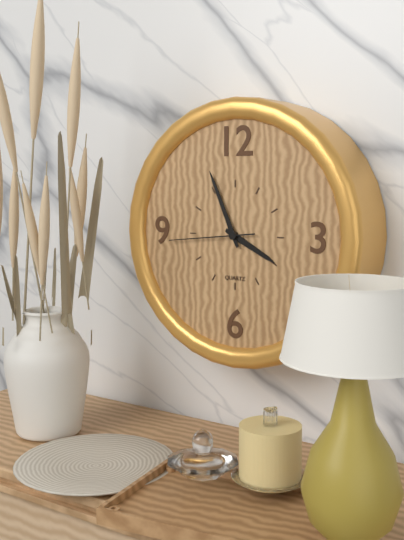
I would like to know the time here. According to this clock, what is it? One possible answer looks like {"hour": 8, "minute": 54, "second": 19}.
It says {"hour": 3, "minute": 56, "second": 44}
